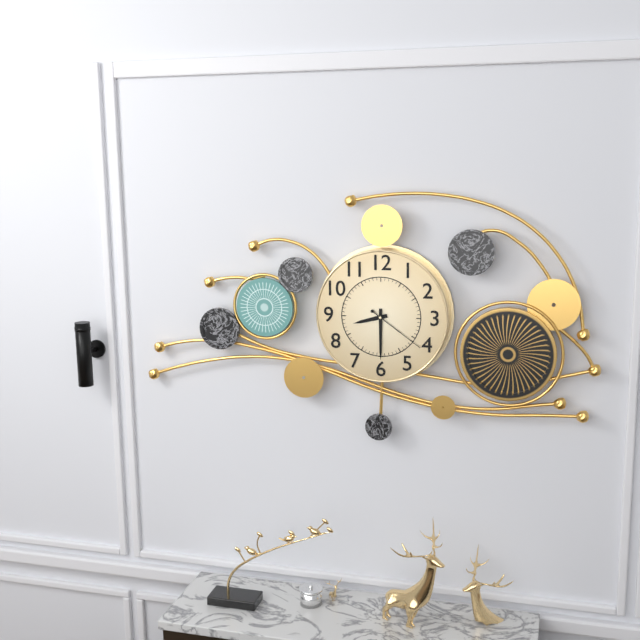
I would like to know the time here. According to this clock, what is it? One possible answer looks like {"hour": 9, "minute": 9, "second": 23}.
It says {"hour": 8, "minute": 30, "second": 21}
